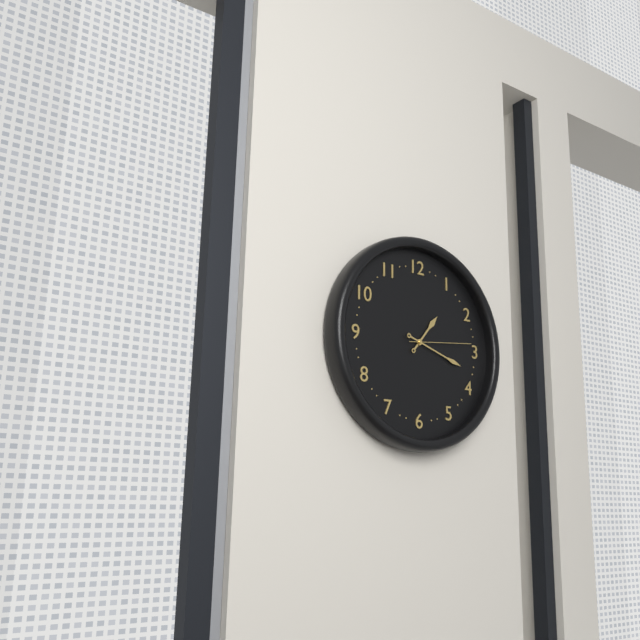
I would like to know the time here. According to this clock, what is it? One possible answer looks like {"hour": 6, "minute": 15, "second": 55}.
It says {"hour": 1, "minute": 18, "second": 14}
